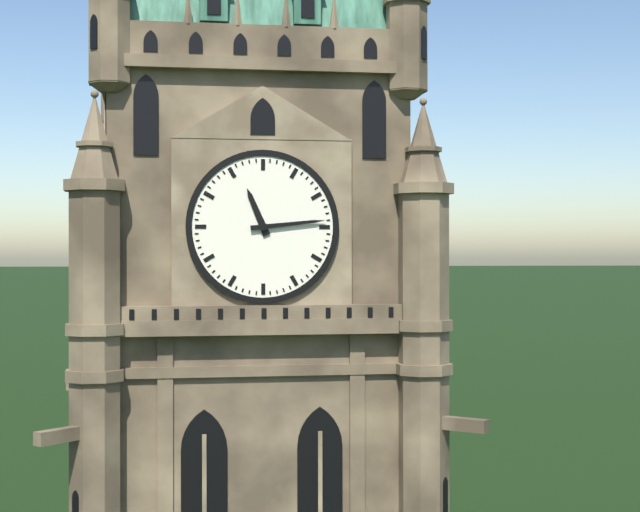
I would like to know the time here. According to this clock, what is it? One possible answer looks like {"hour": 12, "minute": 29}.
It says {"hour": 11, "minute": 14}
